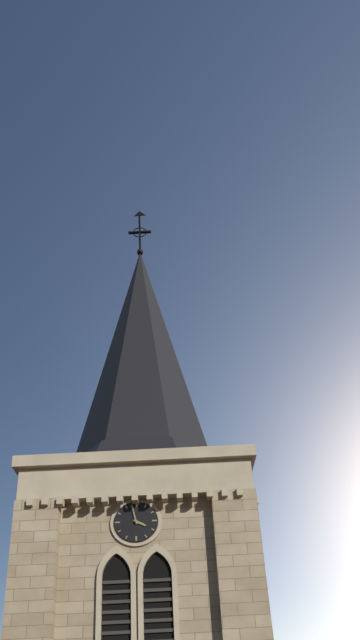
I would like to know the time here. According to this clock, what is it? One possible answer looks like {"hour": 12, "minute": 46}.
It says {"hour": 3, "minute": 58}
